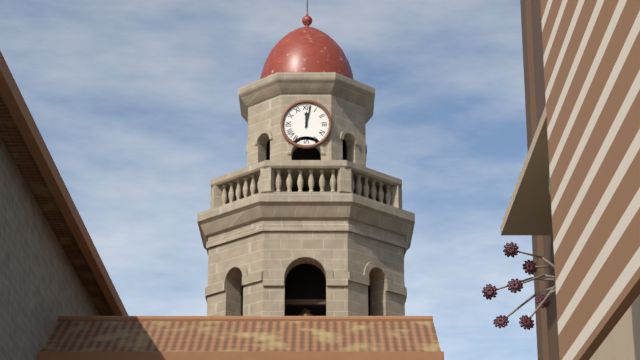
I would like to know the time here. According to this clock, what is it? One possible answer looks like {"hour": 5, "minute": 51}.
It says {"hour": 12, "minute": 2}
